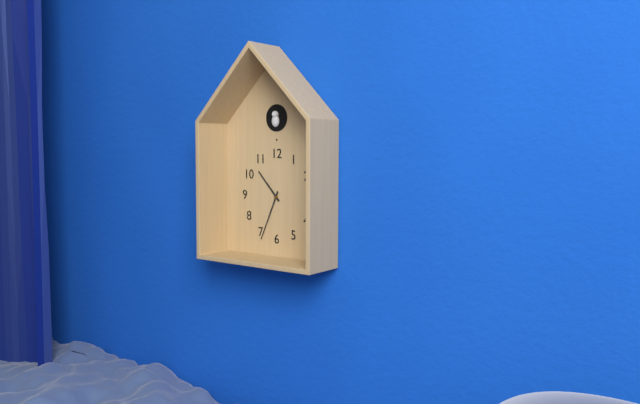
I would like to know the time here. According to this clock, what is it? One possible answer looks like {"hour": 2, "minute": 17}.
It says {"hour": 10, "minute": 34}
